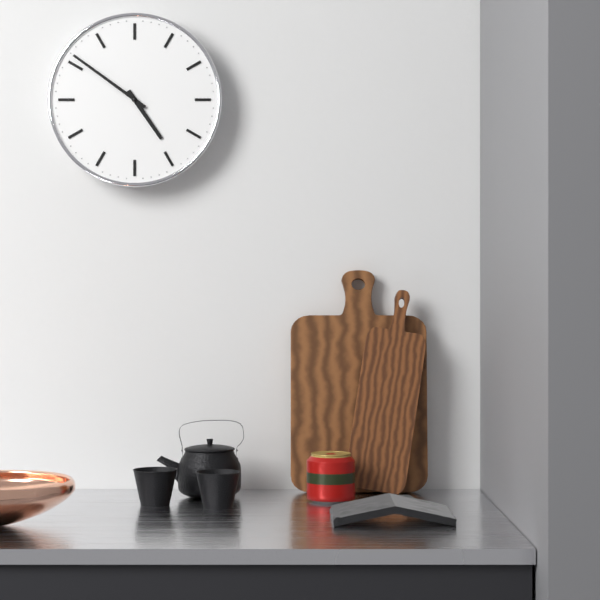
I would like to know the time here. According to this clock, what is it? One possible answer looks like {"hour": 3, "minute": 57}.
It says {"hour": 4, "minute": 51}
